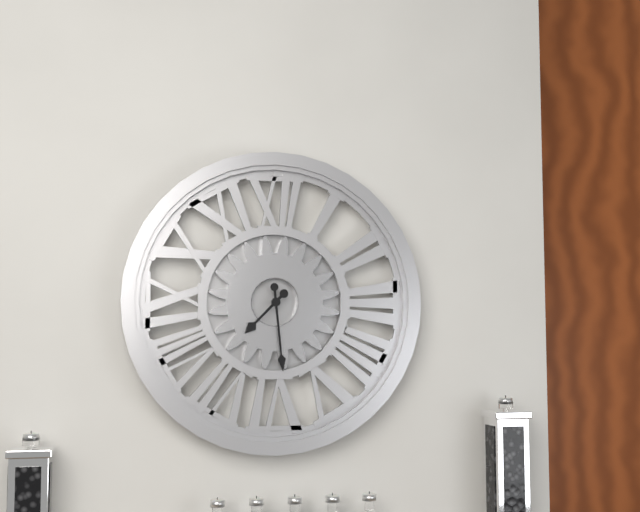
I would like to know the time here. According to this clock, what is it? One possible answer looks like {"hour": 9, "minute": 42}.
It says {"hour": 7, "minute": 29}
